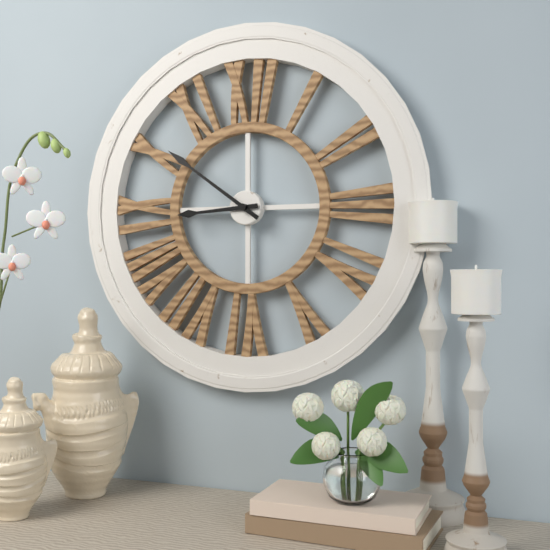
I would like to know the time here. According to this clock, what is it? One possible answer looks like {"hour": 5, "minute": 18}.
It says {"hour": 8, "minute": 51}
